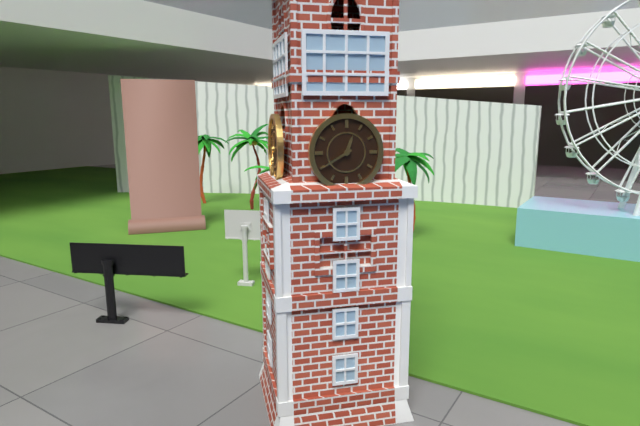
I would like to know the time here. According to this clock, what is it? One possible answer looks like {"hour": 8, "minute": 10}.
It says {"hour": 12, "minute": 40}
